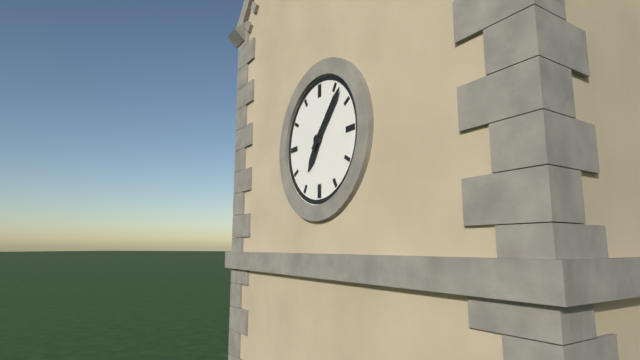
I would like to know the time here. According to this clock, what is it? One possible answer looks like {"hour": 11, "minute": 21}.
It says {"hour": 7, "minute": 7}
